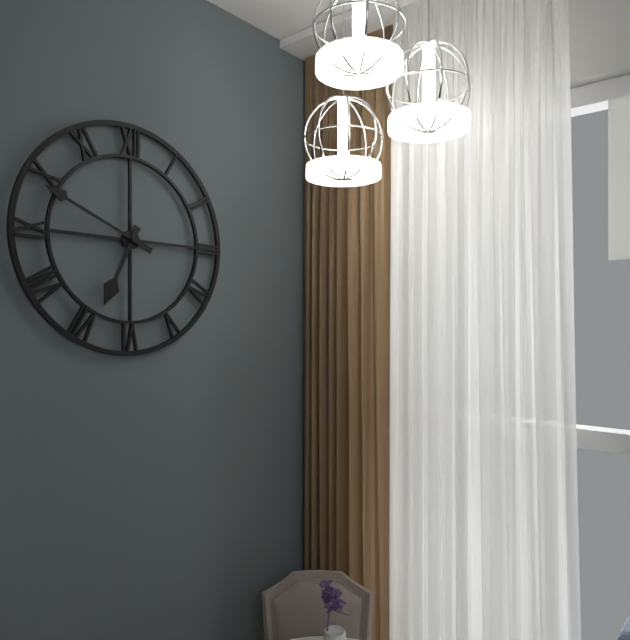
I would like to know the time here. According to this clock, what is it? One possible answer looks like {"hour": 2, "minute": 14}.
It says {"hour": 6, "minute": 49}
